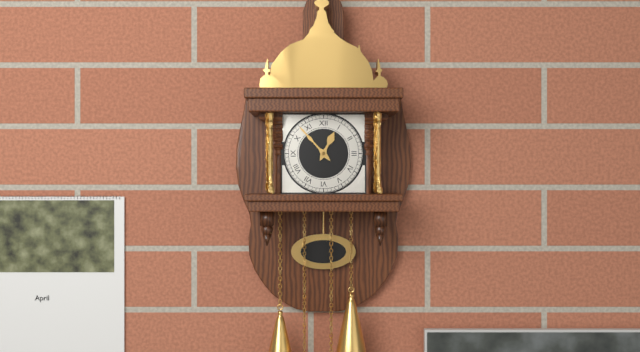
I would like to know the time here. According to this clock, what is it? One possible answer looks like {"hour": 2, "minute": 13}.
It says {"hour": 12, "minute": 53}
